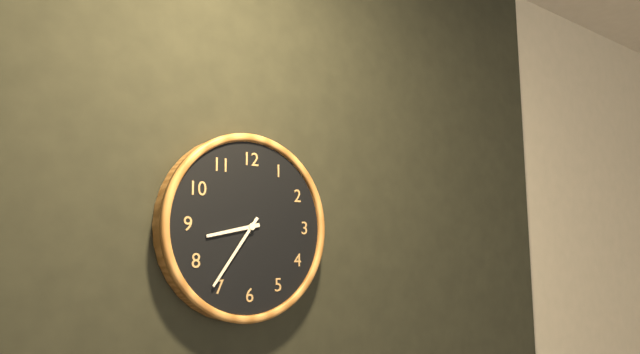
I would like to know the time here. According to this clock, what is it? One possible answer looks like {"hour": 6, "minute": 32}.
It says {"hour": 8, "minute": 36}
